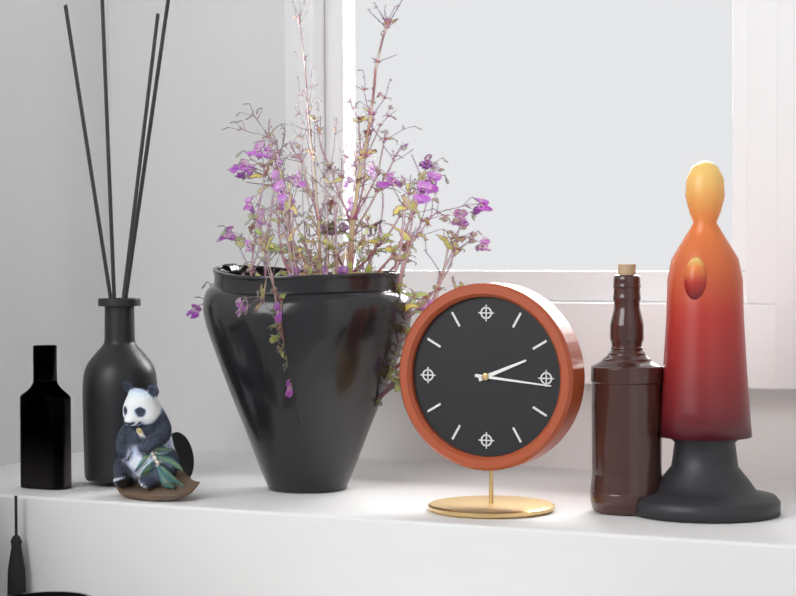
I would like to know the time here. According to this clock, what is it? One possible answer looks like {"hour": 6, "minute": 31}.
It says {"hour": 2, "minute": 16}
